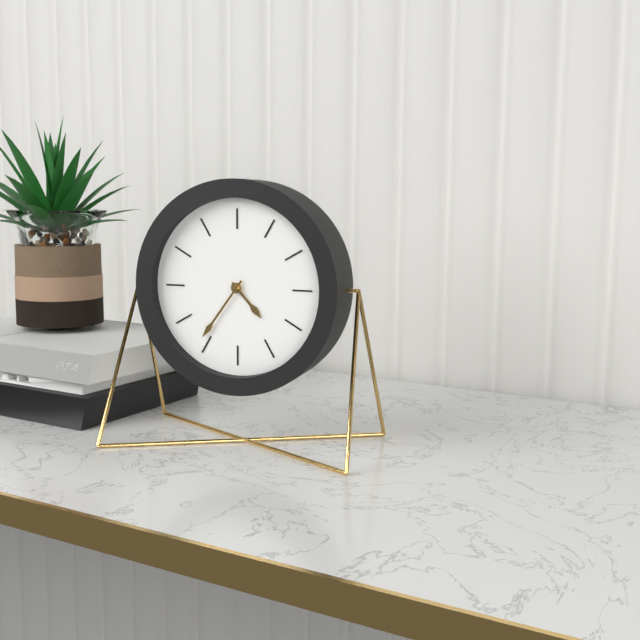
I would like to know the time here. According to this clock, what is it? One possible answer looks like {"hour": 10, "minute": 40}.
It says {"hour": 4, "minute": 36}
